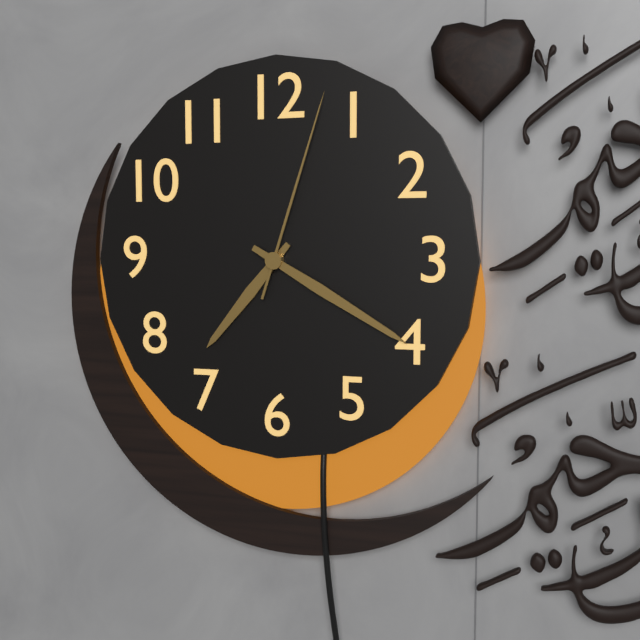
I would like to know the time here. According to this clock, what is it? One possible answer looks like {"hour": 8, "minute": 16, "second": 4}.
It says {"hour": 7, "minute": 20, "second": 3}
